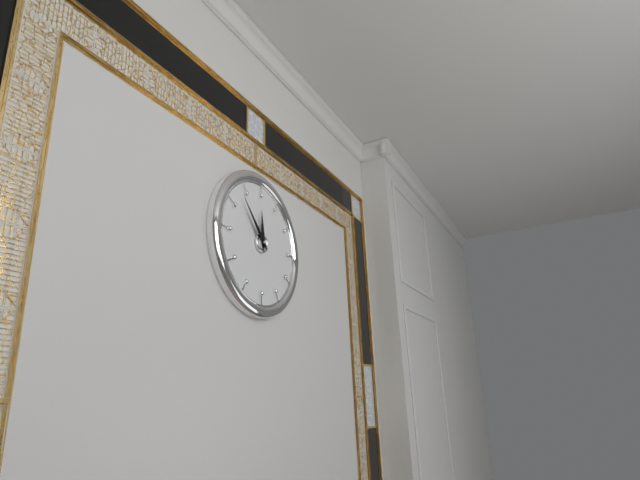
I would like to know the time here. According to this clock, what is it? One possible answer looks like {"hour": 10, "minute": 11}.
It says {"hour": 11, "minute": 53}
